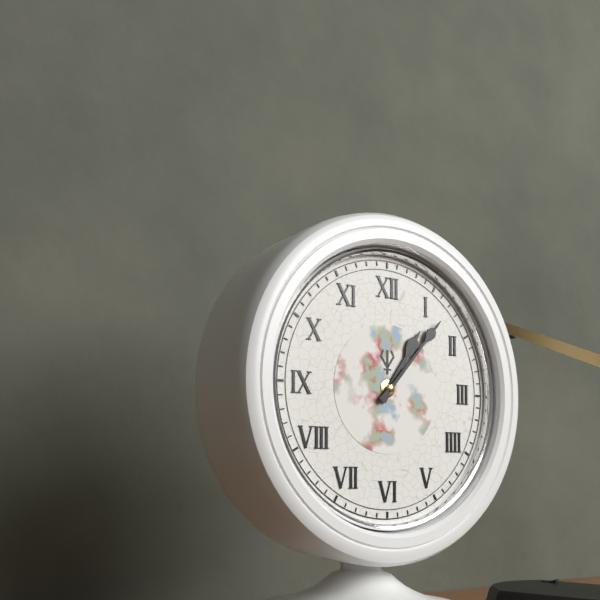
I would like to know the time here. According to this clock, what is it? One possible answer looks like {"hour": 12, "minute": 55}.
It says {"hour": 1, "minute": 7}
